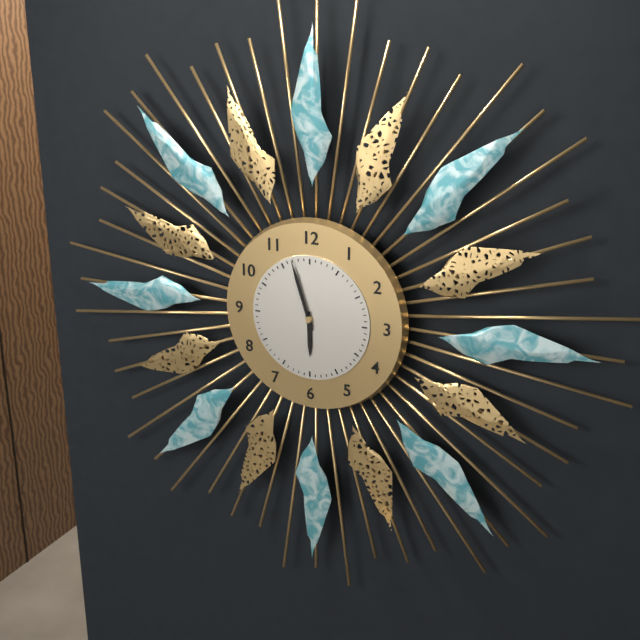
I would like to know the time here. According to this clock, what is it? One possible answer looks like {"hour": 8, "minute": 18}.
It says {"hour": 5, "minute": 57}
